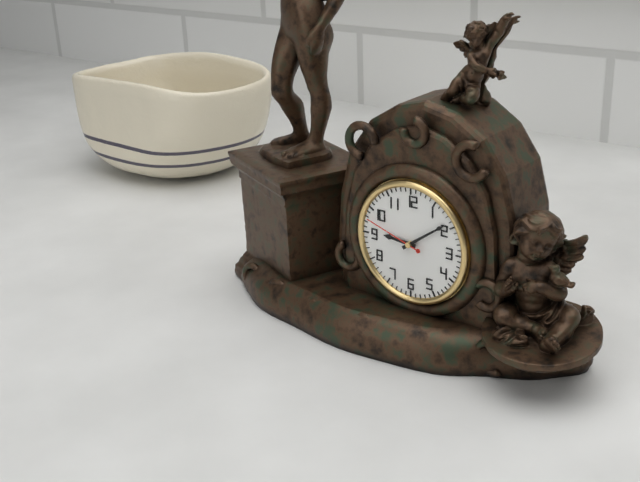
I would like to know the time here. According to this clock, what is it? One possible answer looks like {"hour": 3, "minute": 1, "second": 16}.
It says {"hour": 9, "minute": 9, "second": 48}
